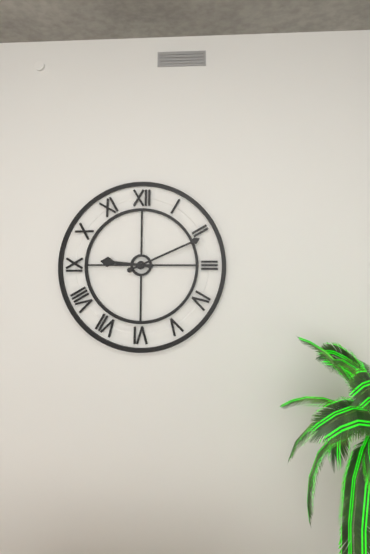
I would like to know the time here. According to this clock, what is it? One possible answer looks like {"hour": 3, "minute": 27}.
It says {"hour": 9, "minute": 11}
